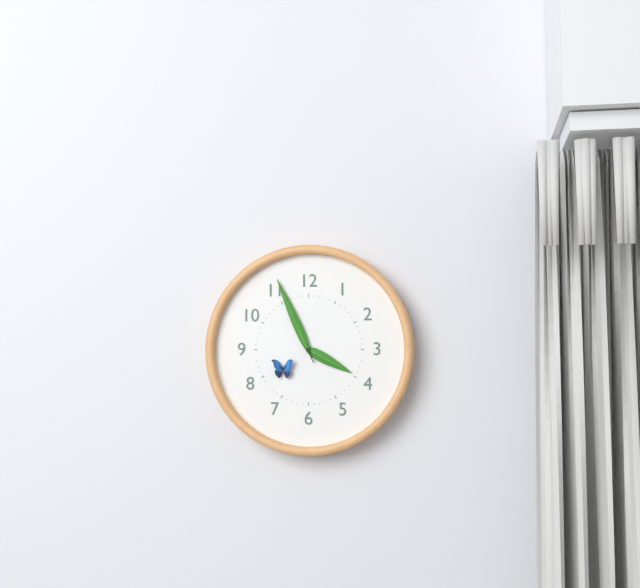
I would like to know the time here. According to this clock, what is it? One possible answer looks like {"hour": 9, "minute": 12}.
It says {"hour": 3, "minute": 56}
